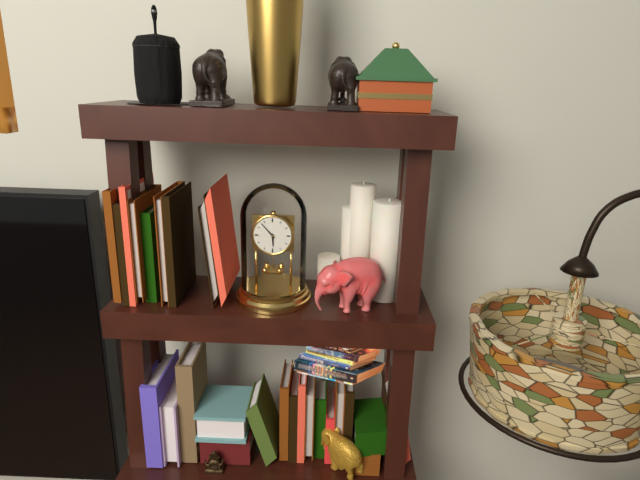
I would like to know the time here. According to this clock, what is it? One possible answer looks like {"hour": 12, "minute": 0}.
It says {"hour": 5, "minute": 53}
